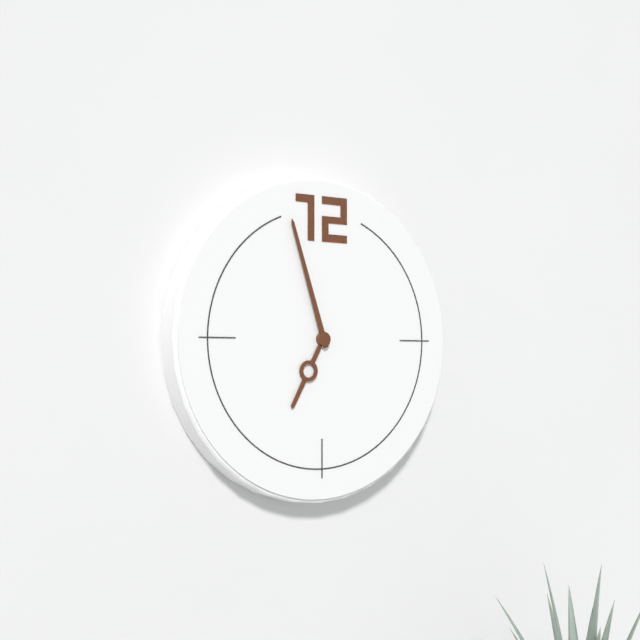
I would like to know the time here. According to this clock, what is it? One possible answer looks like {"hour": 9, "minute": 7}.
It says {"hour": 6, "minute": 57}
